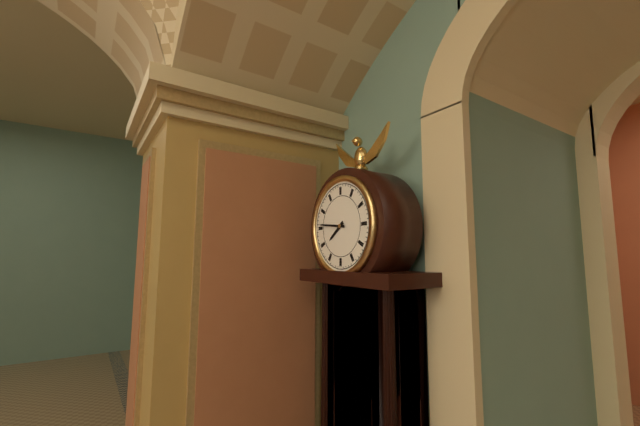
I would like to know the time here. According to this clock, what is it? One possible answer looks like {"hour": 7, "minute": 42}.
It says {"hour": 7, "minute": 46}
